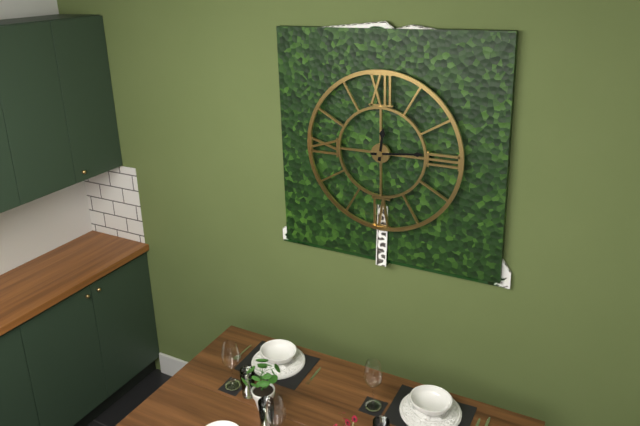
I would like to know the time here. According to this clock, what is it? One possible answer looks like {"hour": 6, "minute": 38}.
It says {"hour": 12, "minute": 14}
